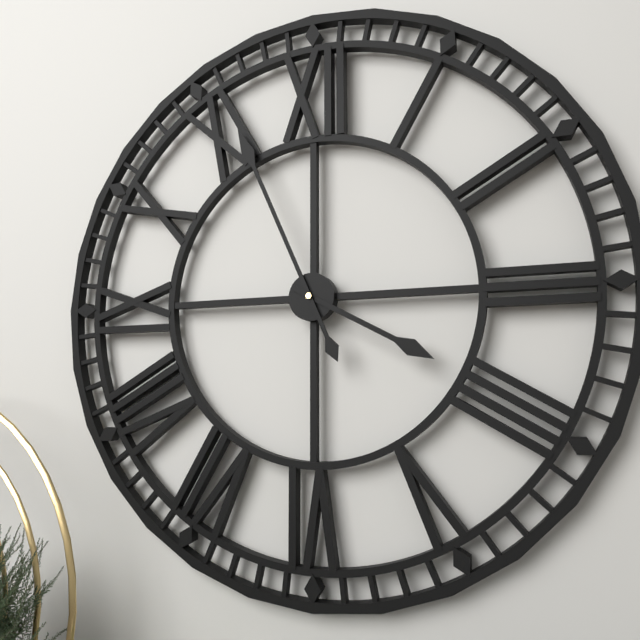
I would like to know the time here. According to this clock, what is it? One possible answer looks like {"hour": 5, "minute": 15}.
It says {"hour": 3, "minute": 56}
